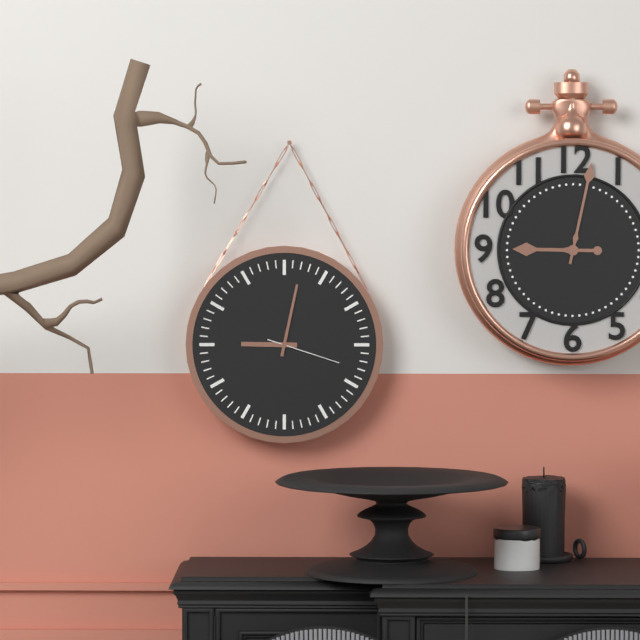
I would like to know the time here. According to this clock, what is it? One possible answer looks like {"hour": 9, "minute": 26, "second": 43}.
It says {"hour": 9, "minute": 2, "second": 18}
